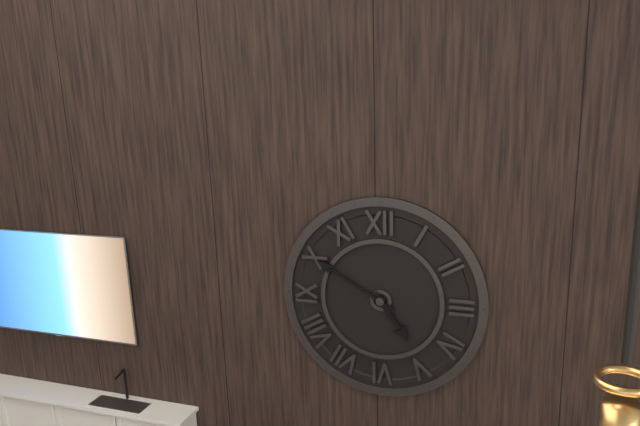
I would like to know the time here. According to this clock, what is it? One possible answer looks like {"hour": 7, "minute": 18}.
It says {"hour": 4, "minute": 50}
